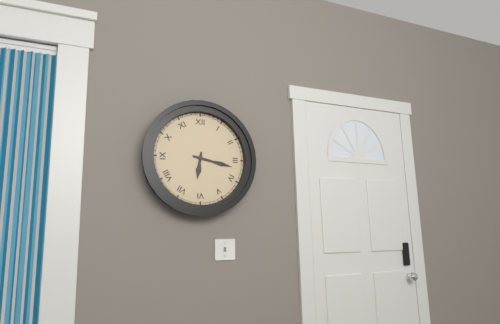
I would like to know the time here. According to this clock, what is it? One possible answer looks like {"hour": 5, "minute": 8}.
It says {"hour": 6, "minute": 17}
